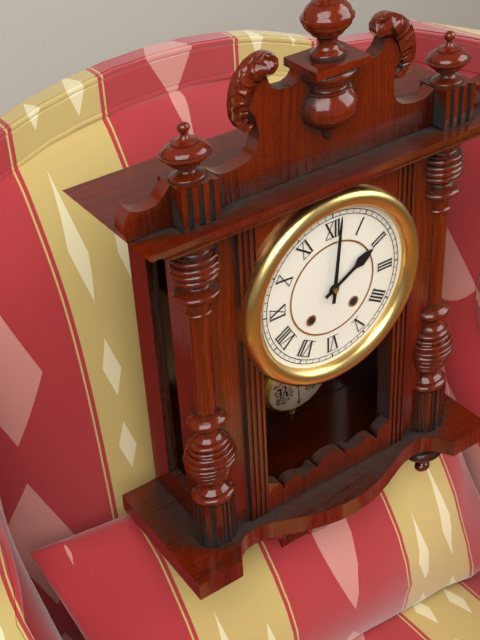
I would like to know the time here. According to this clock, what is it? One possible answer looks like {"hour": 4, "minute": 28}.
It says {"hour": 2, "minute": 1}
